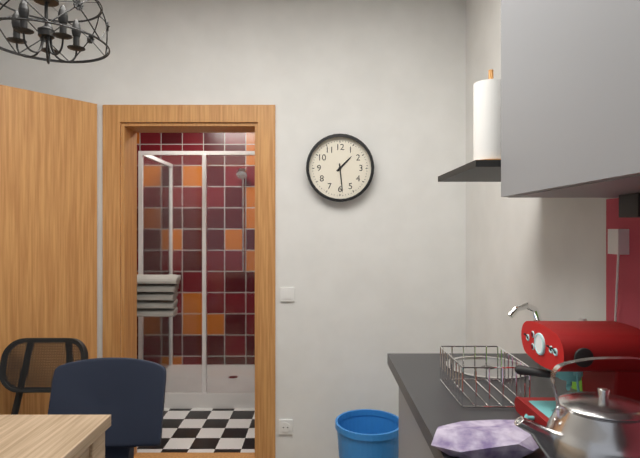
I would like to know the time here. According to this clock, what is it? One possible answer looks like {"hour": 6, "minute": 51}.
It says {"hour": 1, "minute": 29}
